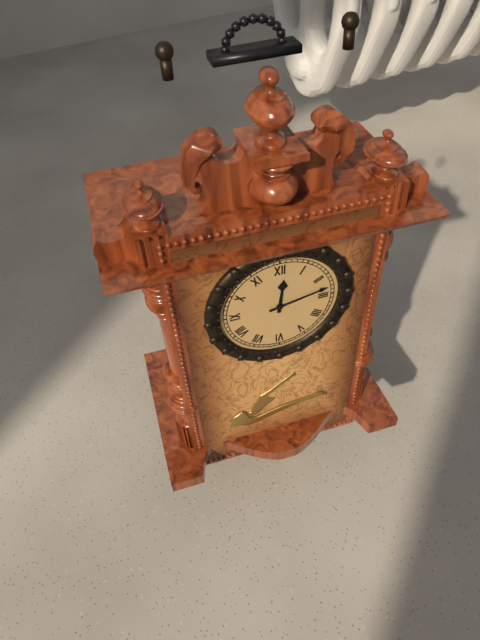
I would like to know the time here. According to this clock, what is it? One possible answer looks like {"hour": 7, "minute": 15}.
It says {"hour": 12, "minute": 13}
